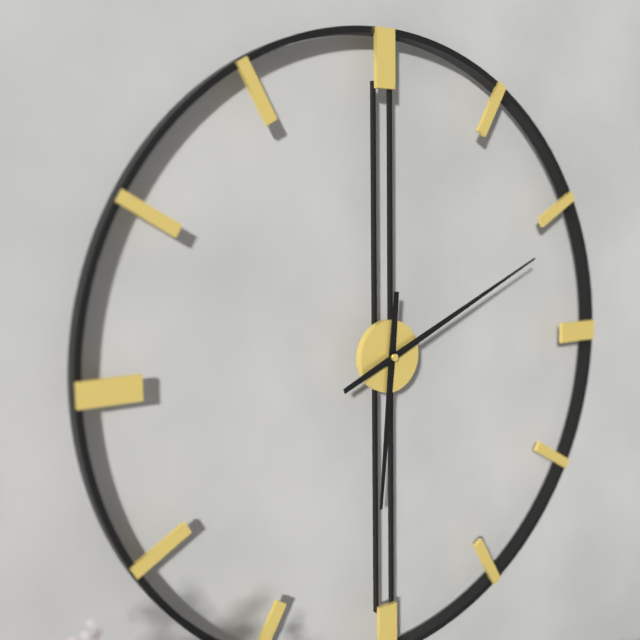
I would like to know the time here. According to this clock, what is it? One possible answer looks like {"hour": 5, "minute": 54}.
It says {"hour": 6, "minute": 11}
